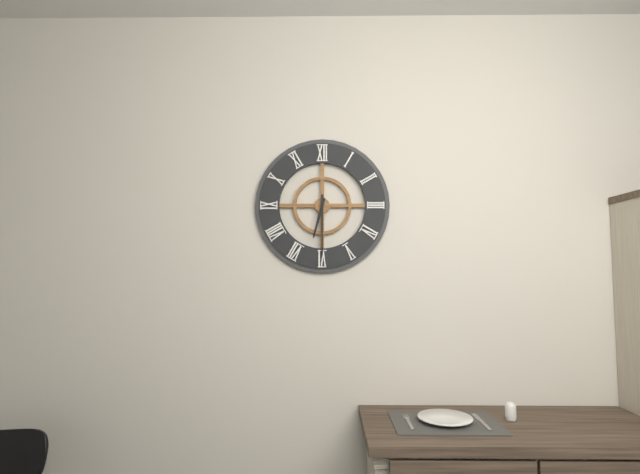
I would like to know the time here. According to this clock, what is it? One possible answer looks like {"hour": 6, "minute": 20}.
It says {"hour": 6, "minute": 30}
